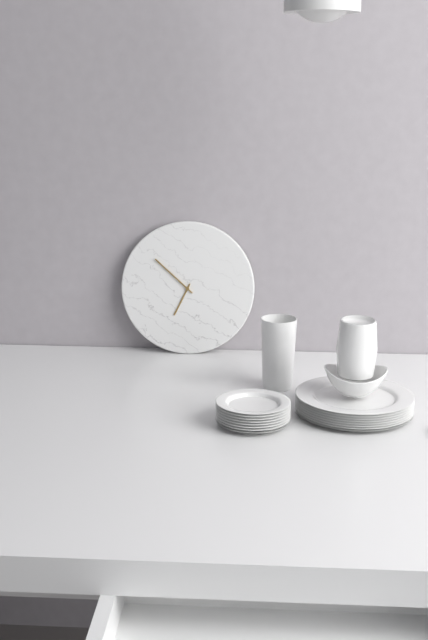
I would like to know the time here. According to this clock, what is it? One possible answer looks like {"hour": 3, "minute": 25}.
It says {"hour": 6, "minute": 52}
